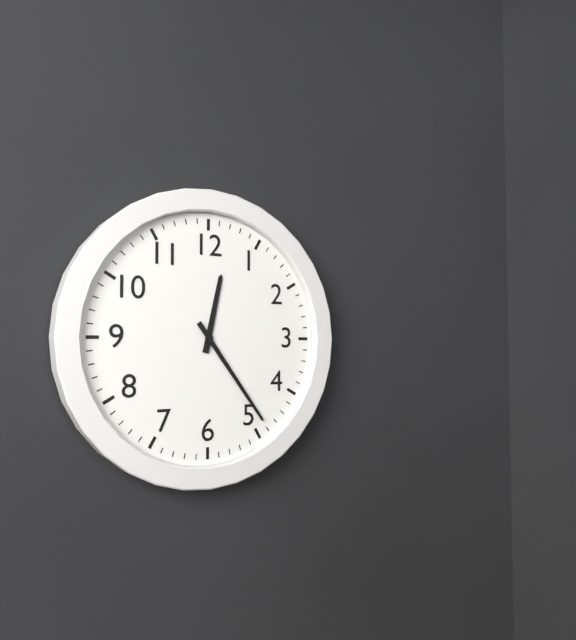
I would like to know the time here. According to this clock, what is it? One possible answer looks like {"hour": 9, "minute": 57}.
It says {"hour": 12, "minute": 24}
